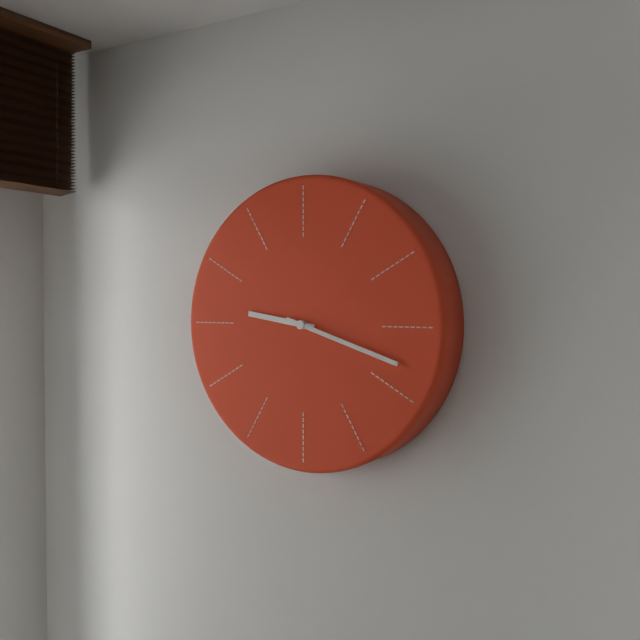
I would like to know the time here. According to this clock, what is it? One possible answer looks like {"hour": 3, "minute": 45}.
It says {"hour": 9, "minute": 18}
